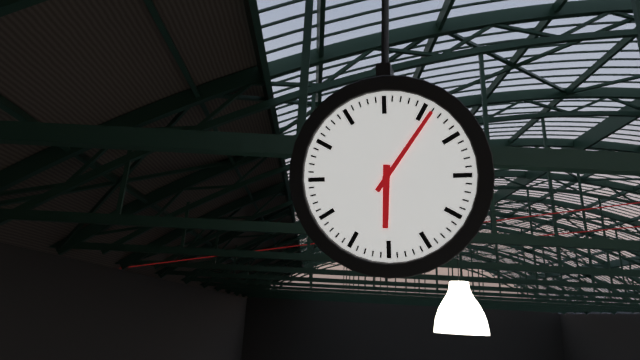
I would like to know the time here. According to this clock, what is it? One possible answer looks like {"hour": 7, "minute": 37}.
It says {"hour": 6, "minute": 6}
